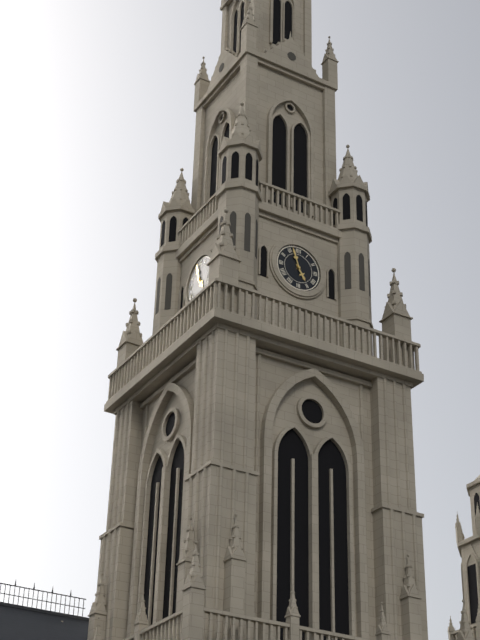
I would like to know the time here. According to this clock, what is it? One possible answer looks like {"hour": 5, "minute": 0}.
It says {"hour": 4, "minute": 57}
